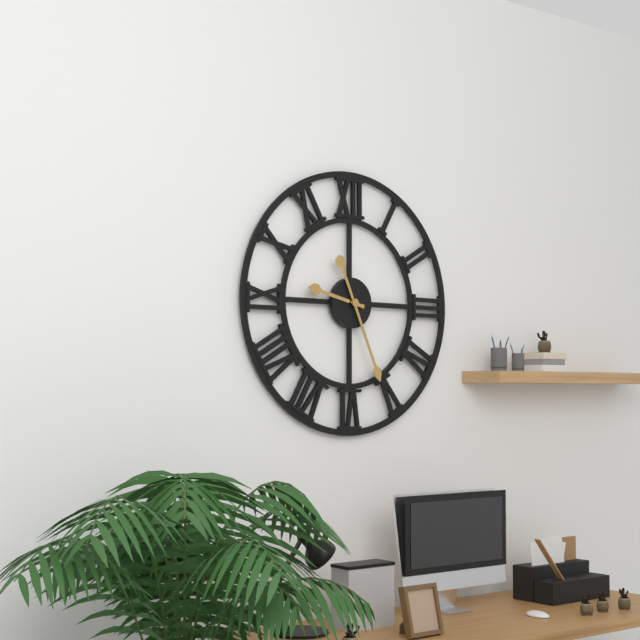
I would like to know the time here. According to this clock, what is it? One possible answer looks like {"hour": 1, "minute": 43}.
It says {"hour": 9, "minute": 26}
